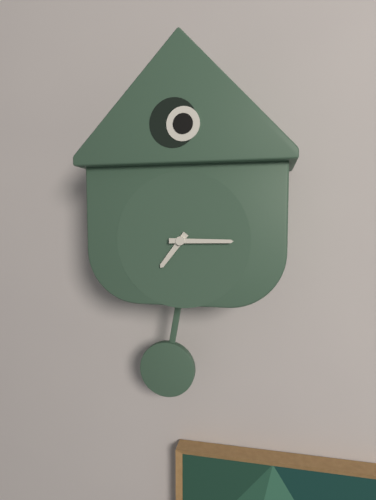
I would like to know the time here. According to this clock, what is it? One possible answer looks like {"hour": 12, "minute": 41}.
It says {"hour": 7, "minute": 15}
